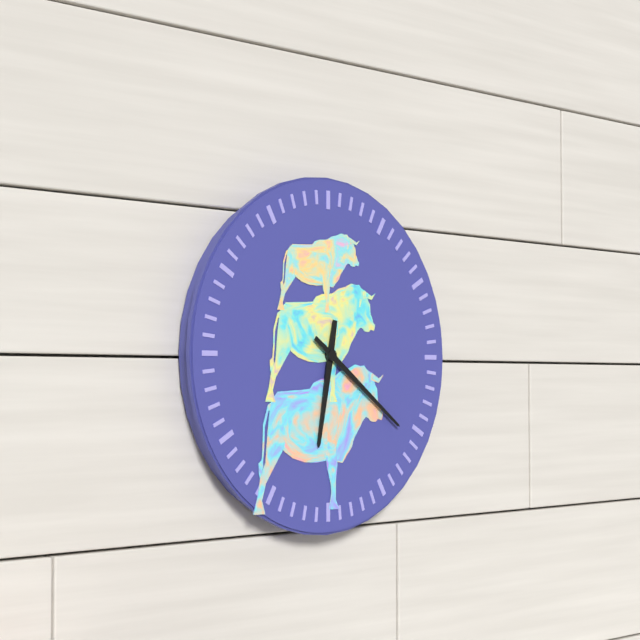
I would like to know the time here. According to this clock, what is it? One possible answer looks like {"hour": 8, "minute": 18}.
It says {"hour": 6, "minute": 21}
